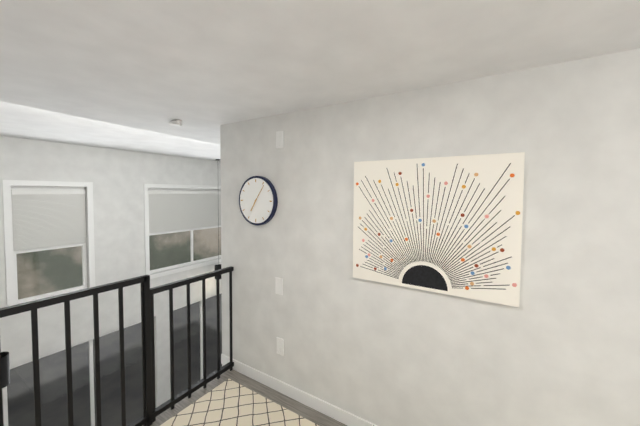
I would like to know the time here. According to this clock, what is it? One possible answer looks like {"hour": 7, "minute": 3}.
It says {"hour": 7, "minute": 6}
